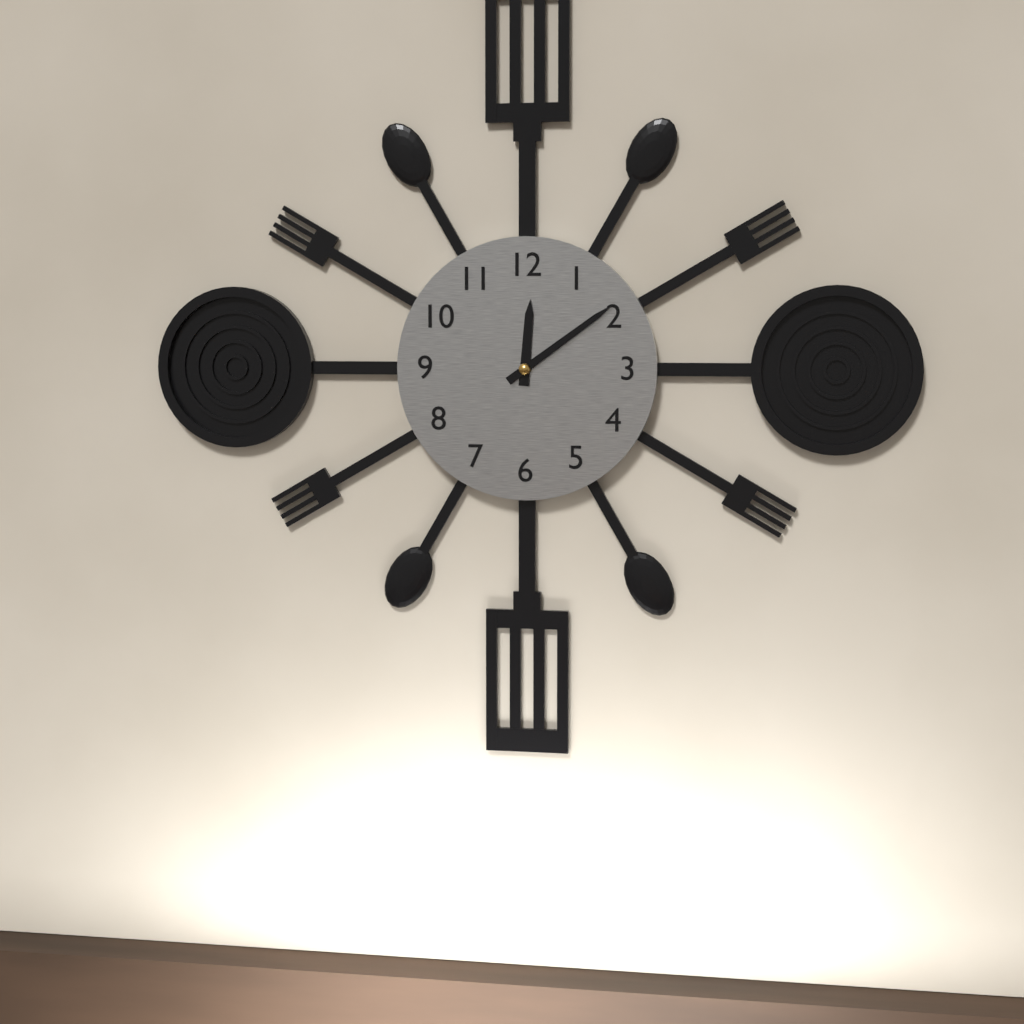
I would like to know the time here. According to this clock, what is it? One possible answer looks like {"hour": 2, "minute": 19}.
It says {"hour": 12, "minute": 9}
